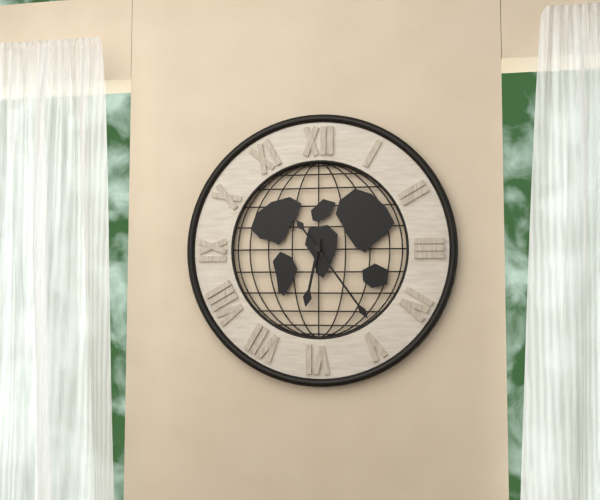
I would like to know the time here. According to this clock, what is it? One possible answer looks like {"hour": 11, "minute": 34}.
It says {"hour": 6, "minute": 24}
